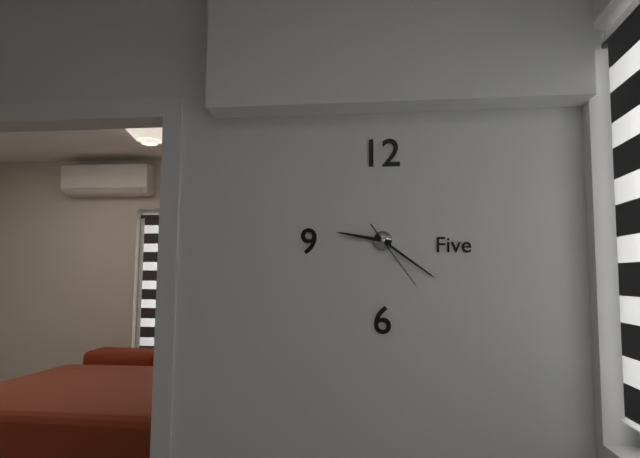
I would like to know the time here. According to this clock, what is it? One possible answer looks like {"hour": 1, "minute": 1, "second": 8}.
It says {"hour": 9, "minute": 21, "second": 24}
